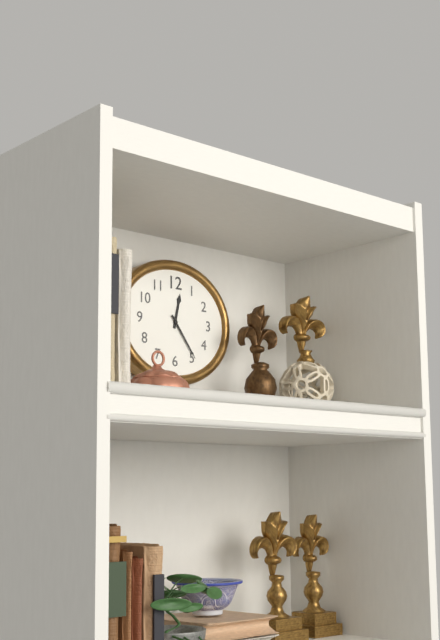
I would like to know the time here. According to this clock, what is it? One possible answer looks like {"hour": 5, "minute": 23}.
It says {"hour": 12, "minute": 24}
